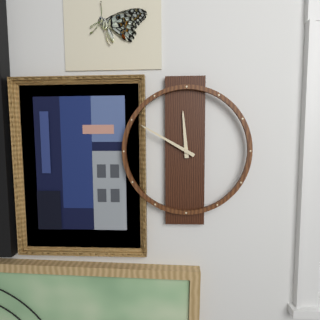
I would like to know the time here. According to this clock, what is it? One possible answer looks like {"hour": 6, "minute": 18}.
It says {"hour": 11, "minute": 50}
